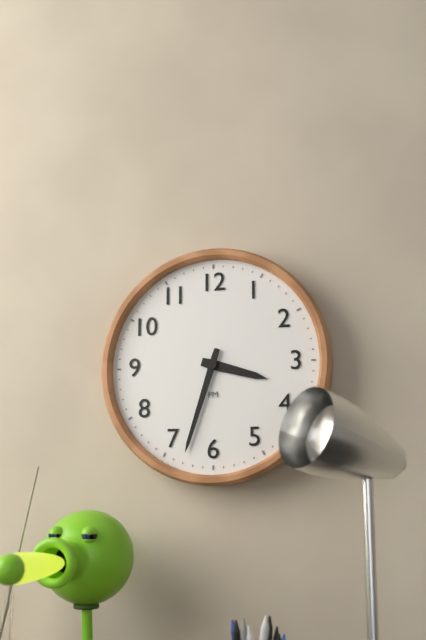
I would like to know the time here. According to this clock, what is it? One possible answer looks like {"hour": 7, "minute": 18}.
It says {"hour": 3, "minute": 33}
